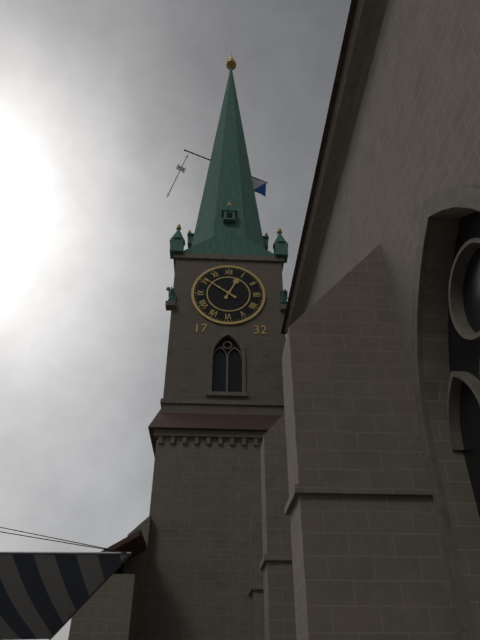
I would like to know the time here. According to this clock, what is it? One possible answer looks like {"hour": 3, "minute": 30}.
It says {"hour": 12, "minute": 51}
